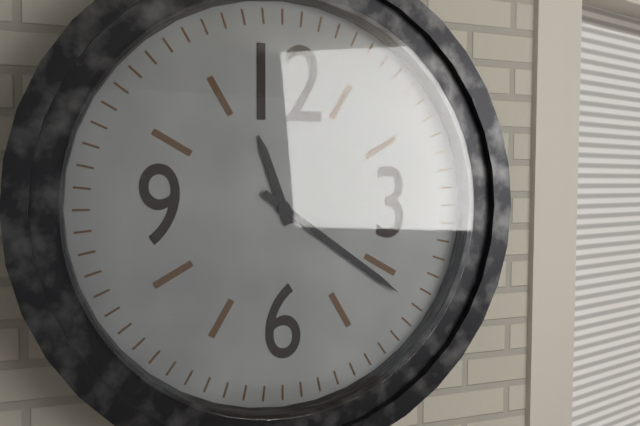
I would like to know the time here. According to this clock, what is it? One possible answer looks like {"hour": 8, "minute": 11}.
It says {"hour": 11, "minute": 21}
